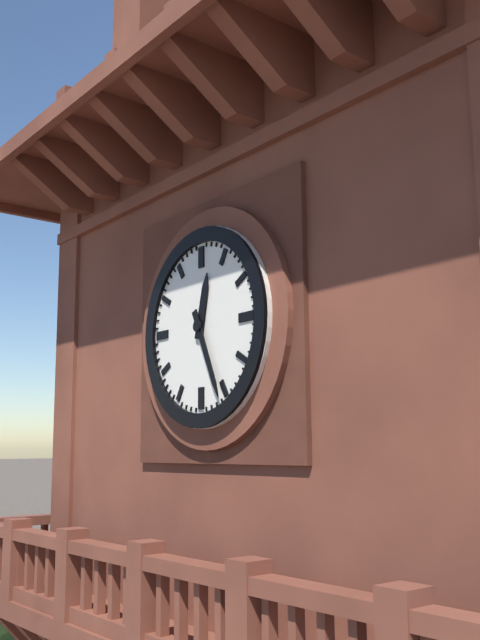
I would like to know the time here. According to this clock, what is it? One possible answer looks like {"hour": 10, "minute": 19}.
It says {"hour": 12, "minute": 26}
